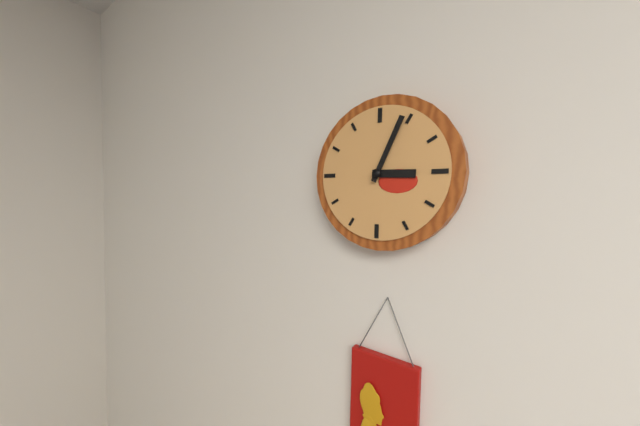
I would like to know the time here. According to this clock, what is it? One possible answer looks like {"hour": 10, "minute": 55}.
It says {"hour": 3, "minute": 4}
